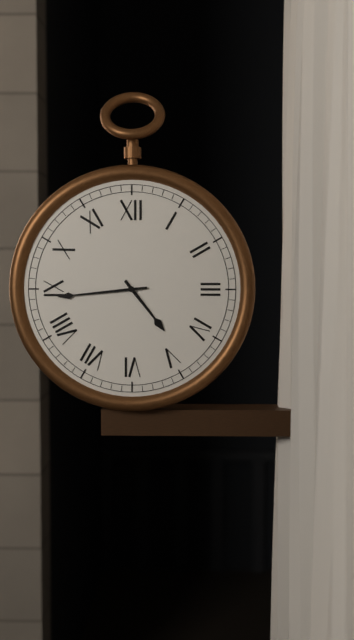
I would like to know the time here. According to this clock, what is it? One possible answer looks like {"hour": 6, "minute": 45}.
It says {"hour": 4, "minute": 44}
